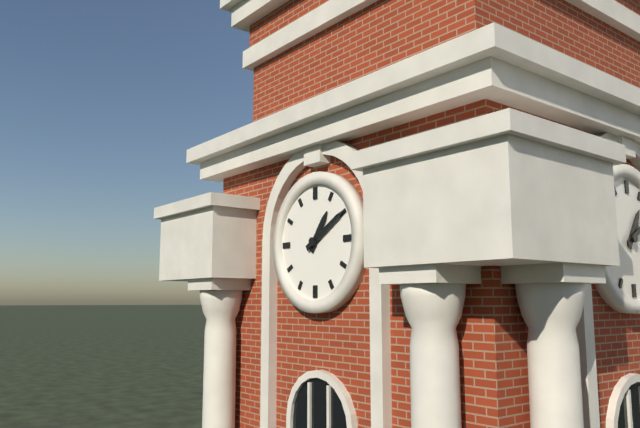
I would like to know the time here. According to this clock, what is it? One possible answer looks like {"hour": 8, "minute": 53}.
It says {"hour": 1, "minute": 10}
